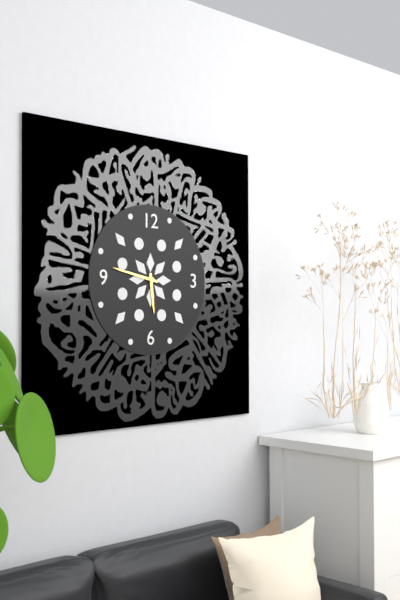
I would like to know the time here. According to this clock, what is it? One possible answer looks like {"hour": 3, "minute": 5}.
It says {"hour": 5, "minute": 47}
